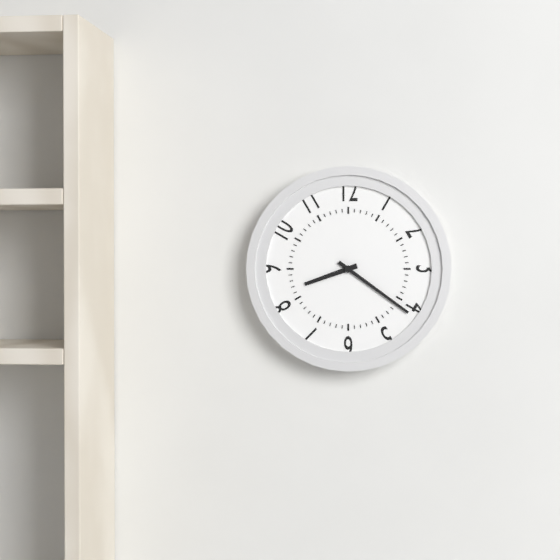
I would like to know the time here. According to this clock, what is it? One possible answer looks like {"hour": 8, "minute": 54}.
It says {"hour": 8, "minute": 21}
